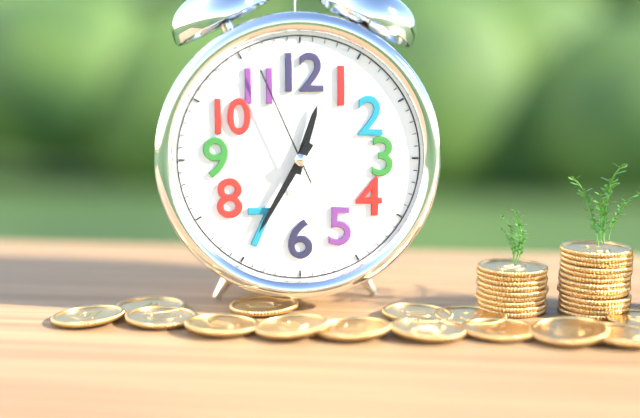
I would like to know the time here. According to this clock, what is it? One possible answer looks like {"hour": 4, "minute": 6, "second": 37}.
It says {"hour": 12, "minute": 35, "second": 56}
